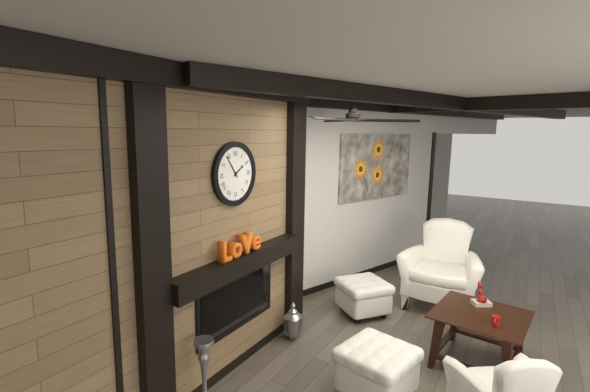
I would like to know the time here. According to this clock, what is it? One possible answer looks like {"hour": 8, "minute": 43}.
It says {"hour": 1, "minute": 54}
